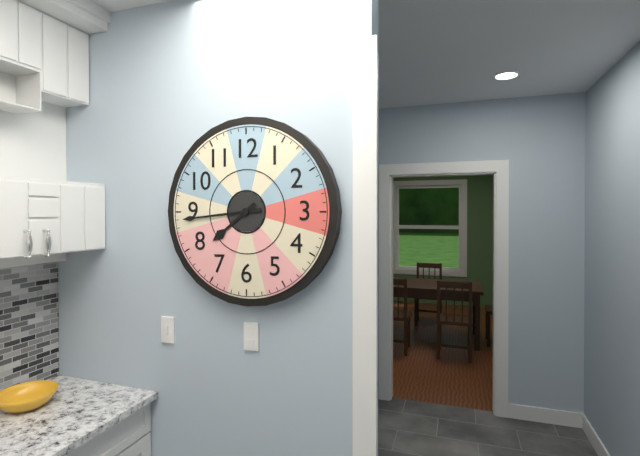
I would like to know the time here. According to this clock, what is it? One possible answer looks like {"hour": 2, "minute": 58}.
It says {"hour": 7, "minute": 44}
